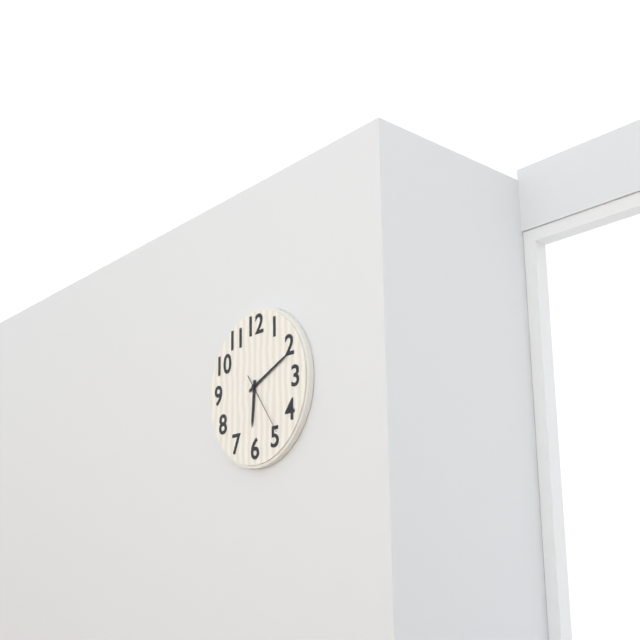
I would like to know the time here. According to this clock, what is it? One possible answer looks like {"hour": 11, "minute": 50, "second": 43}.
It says {"hour": 6, "minute": 11, "second": 24}
